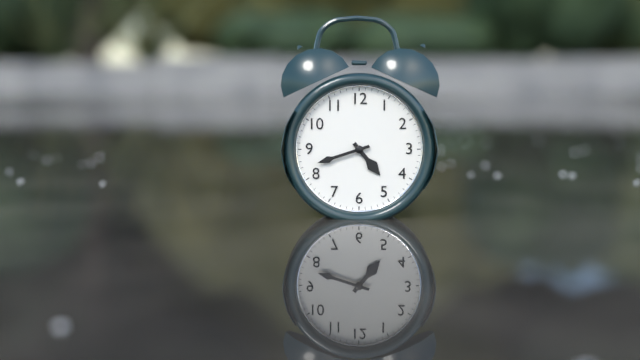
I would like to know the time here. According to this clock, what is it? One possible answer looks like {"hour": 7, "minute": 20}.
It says {"hour": 4, "minute": 42}
